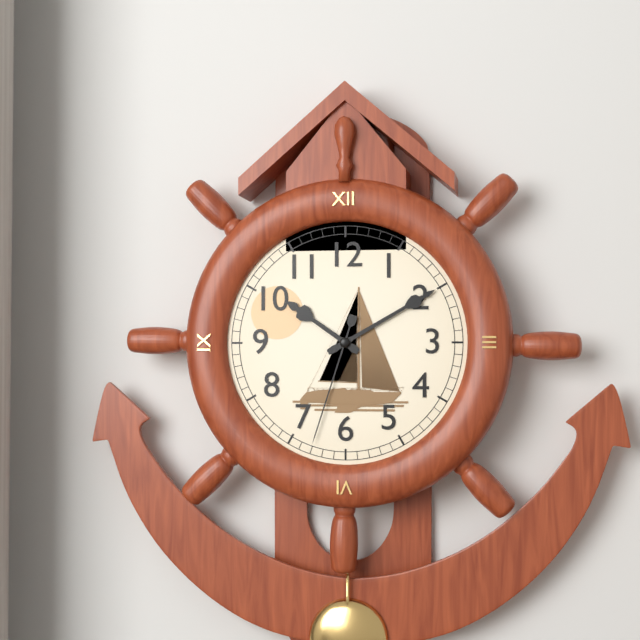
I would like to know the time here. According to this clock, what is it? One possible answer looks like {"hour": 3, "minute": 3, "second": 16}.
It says {"hour": 10, "minute": 10, "second": 33}
